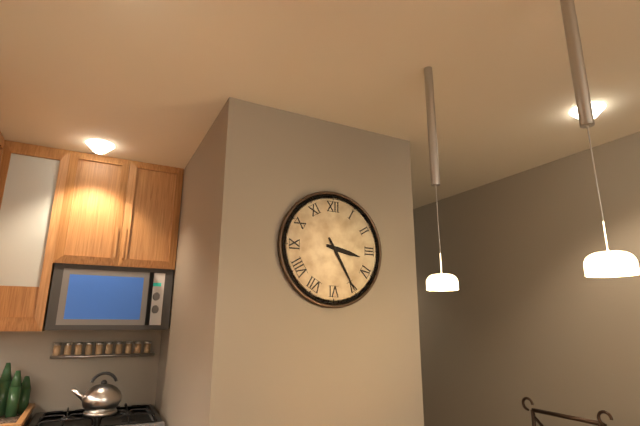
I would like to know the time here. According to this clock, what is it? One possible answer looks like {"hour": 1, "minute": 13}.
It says {"hour": 3, "minute": 25}
